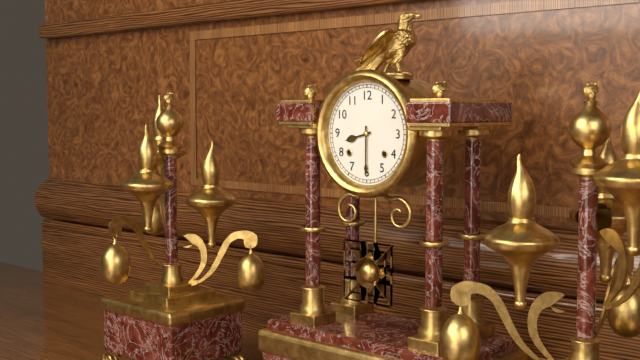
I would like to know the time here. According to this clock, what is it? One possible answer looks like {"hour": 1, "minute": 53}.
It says {"hour": 8, "minute": 30}
